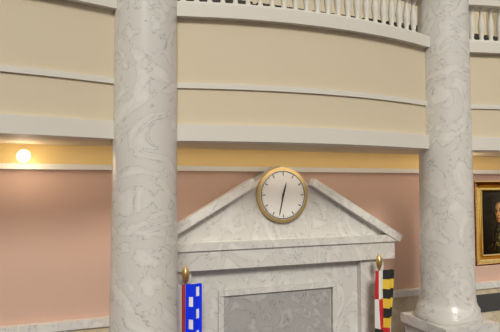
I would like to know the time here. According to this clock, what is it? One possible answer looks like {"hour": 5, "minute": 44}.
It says {"hour": 12, "minute": 32}
